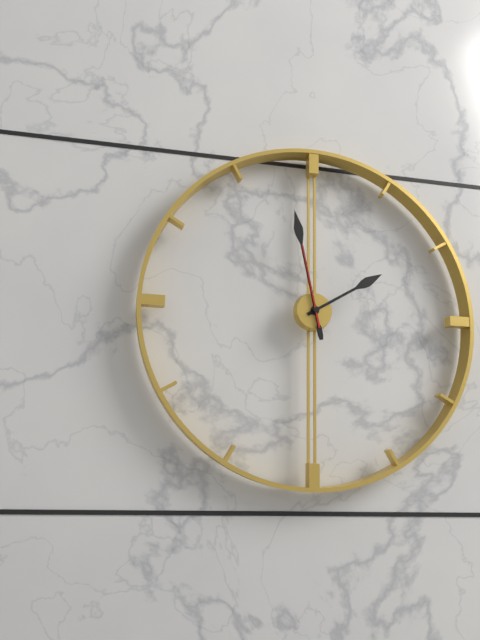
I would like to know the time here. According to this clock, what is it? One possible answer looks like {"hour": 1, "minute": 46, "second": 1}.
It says {"hour": 1, "minute": 58, "second": 58}
